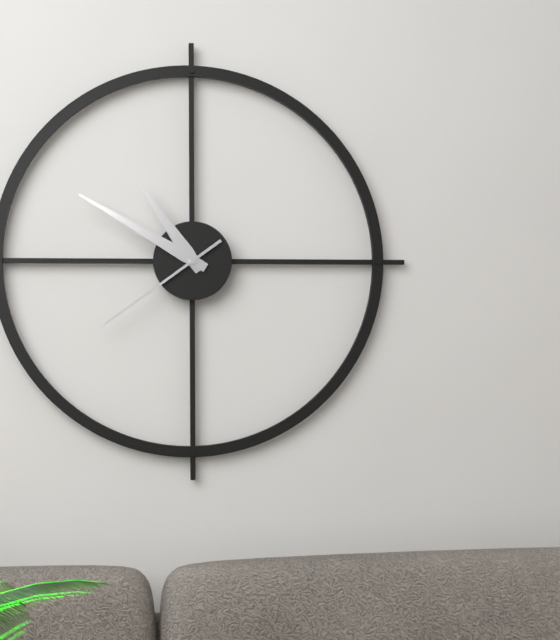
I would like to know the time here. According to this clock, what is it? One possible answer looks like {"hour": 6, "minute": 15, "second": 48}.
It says {"hour": 10, "minute": 50, "second": 39}
